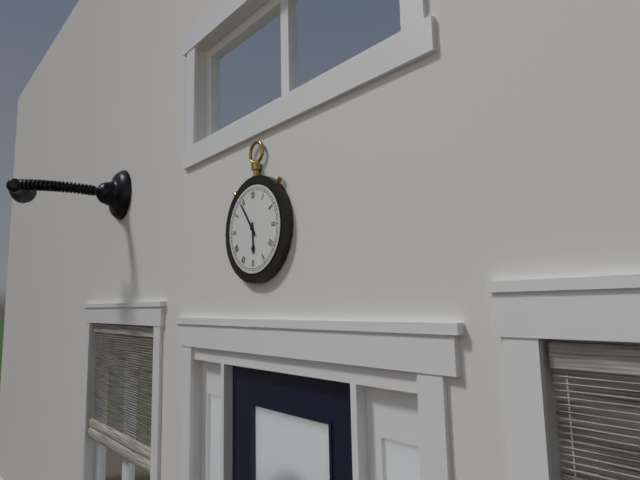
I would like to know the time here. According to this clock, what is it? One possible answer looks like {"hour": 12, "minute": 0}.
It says {"hour": 5, "minute": 54}
